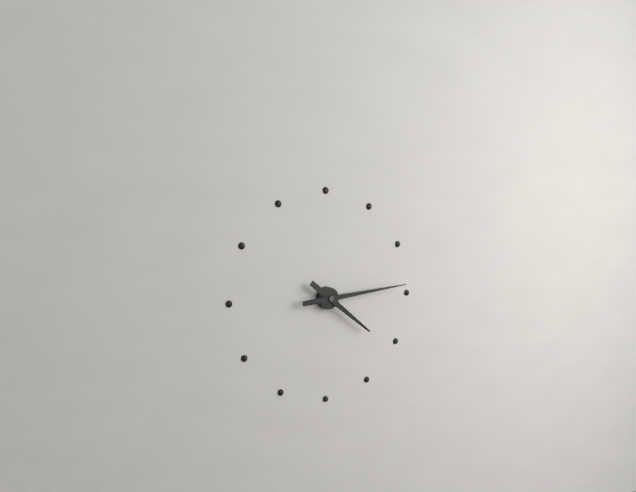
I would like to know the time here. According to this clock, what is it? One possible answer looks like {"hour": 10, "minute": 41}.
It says {"hour": 4, "minute": 14}
